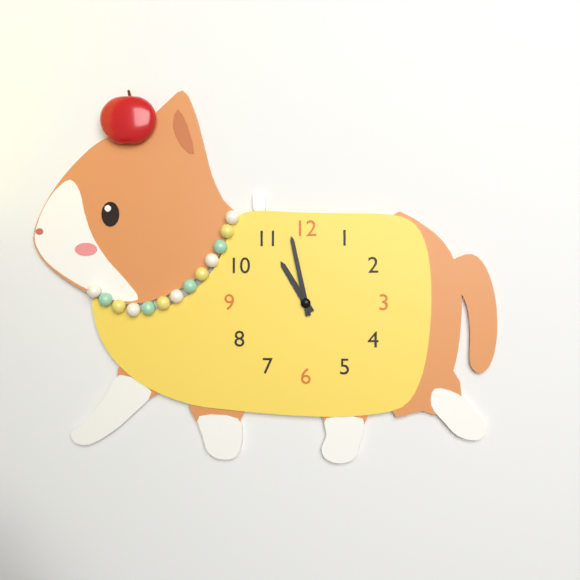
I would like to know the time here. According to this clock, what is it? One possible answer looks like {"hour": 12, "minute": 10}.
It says {"hour": 10, "minute": 58}
